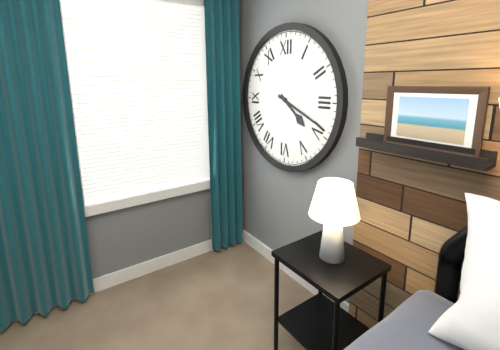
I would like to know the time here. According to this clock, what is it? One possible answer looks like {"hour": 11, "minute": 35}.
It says {"hour": 4, "minute": 19}
